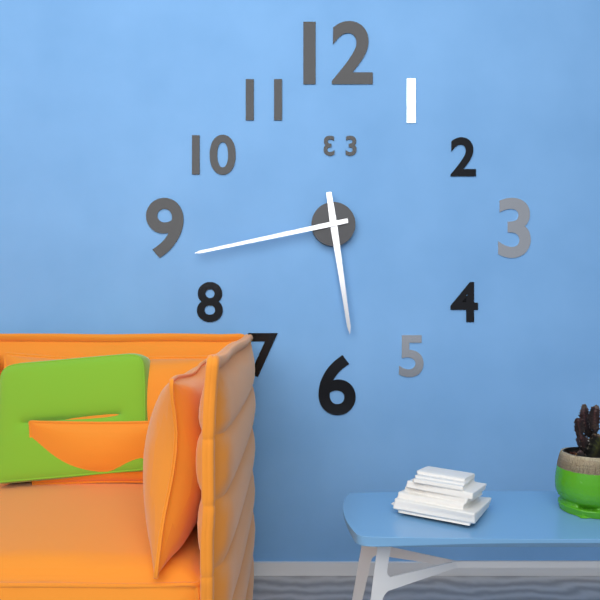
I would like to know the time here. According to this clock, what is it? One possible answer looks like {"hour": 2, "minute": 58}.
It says {"hour": 5, "minute": 43}
